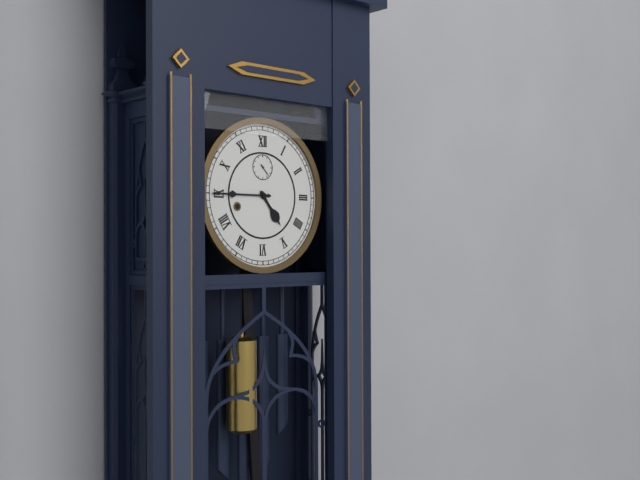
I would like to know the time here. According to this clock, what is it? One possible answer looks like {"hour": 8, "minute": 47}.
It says {"hour": 4, "minute": 45}
